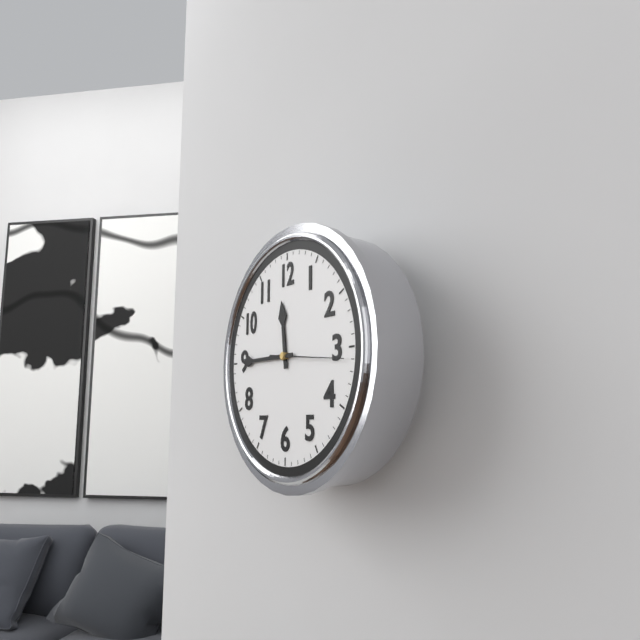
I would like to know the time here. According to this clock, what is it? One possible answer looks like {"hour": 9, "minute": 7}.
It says {"hour": 11, "minute": 45}
